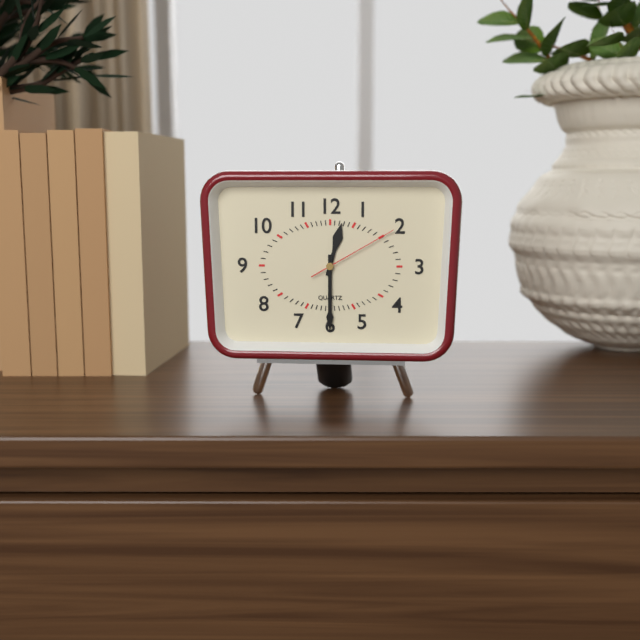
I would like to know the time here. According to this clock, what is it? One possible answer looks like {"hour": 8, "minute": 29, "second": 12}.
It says {"hour": 12, "minute": 30, "second": 10}
